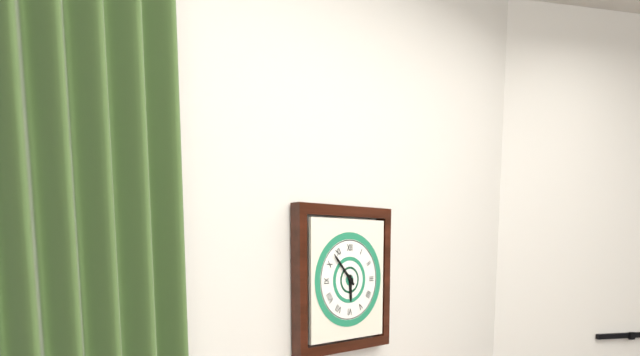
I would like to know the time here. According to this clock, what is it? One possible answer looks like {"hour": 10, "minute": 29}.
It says {"hour": 5, "minute": 53}
